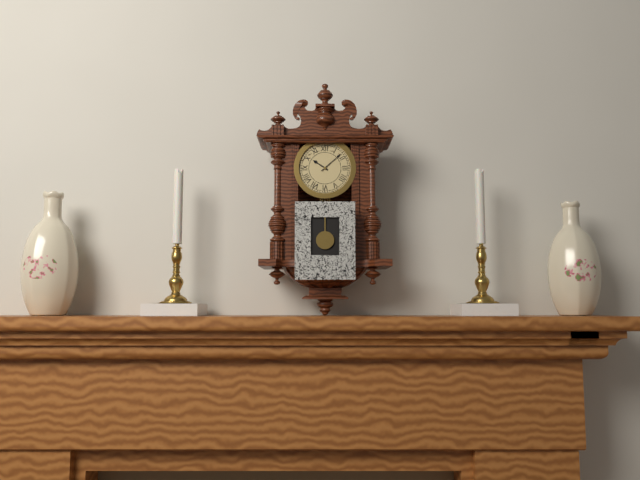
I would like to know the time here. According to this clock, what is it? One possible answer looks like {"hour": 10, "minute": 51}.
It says {"hour": 10, "minute": 8}
